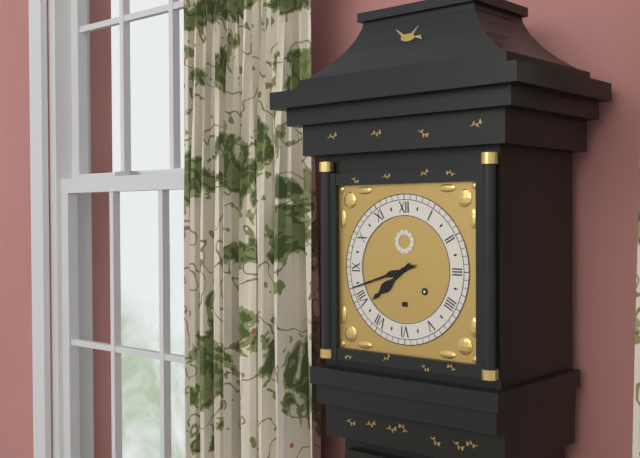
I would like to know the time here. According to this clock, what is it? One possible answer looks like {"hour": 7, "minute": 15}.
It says {"hour": 7, "minute": 42}
